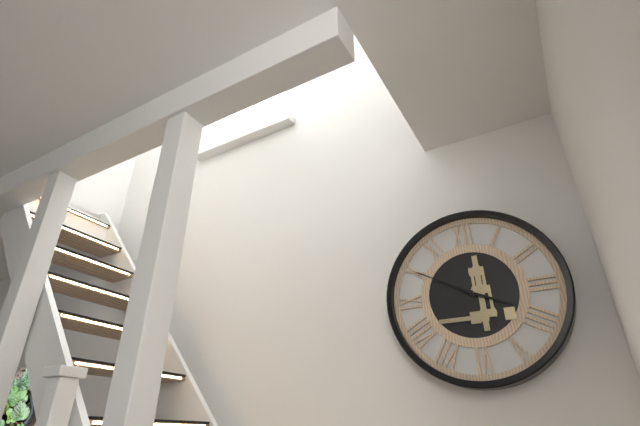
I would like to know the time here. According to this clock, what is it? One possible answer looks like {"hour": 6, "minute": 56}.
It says {"hour": 3, "minute": 50}
